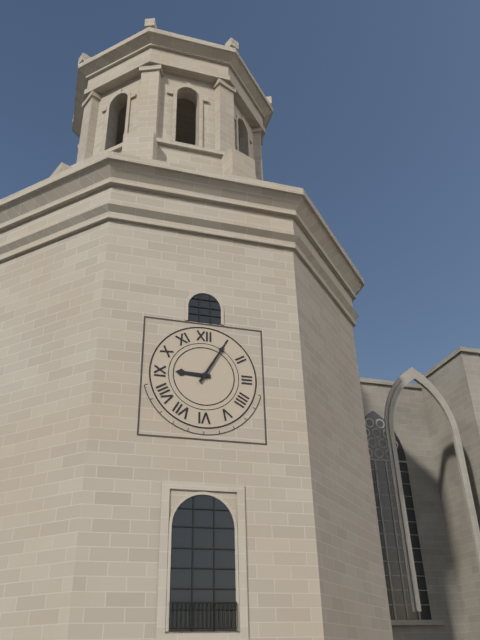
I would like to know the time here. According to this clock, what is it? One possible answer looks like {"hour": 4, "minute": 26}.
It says {"hour": 9, "minute": 5}
